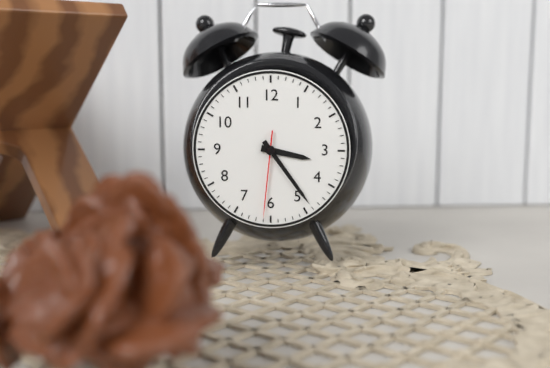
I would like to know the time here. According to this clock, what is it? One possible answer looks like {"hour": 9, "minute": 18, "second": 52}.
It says {"hour": 3, "minute": 24, "second": 31}
